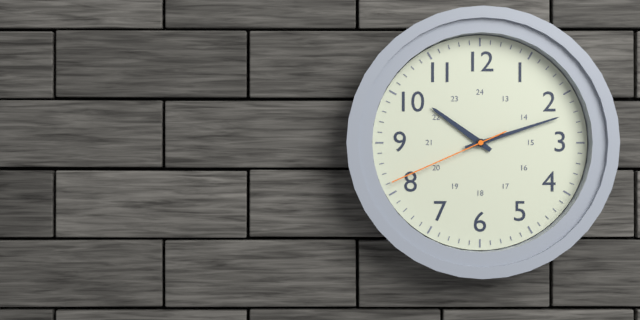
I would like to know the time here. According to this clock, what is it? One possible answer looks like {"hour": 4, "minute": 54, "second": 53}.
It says {"hour": 10, "minute": 12, "second": 41}
